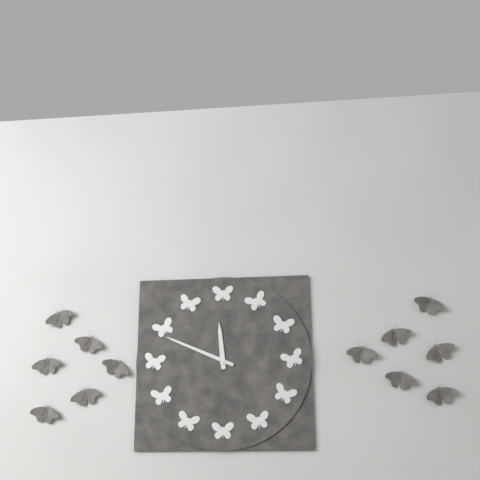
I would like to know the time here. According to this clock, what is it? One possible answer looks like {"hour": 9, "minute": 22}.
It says {"hour": 11, "minute": 49}
